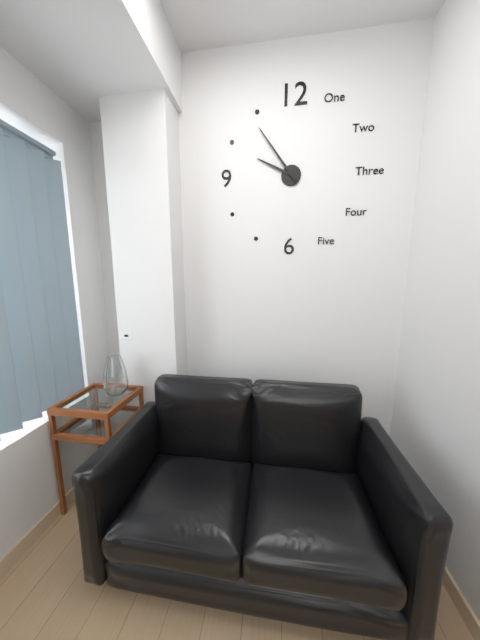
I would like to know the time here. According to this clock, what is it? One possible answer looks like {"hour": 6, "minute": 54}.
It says {"hour": 9, "minute": 54}
